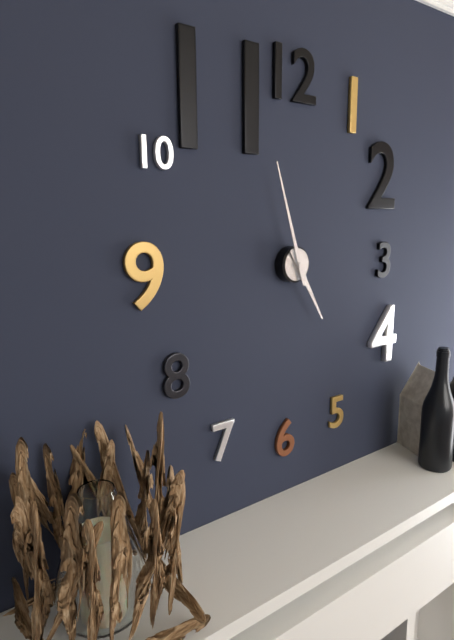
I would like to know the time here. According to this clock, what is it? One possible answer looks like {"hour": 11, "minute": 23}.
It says {"hour": 4, "minute": 57}
